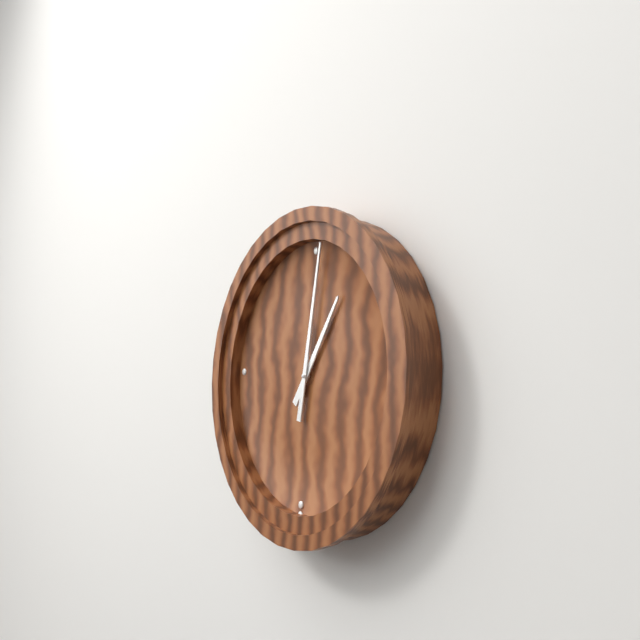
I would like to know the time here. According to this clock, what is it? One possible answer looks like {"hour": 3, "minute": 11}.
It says {"hour": 1, "minute": 1}
